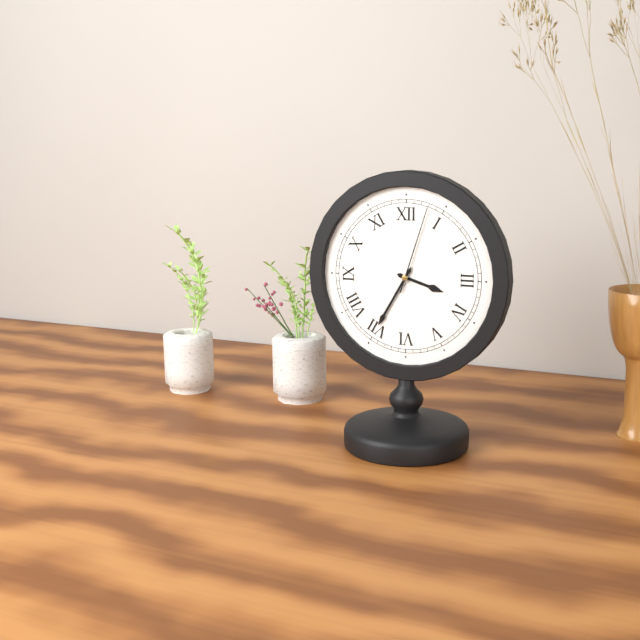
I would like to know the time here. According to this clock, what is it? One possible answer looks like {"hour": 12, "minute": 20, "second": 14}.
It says {"hour": 3, "minute": 35, "second": 3}
